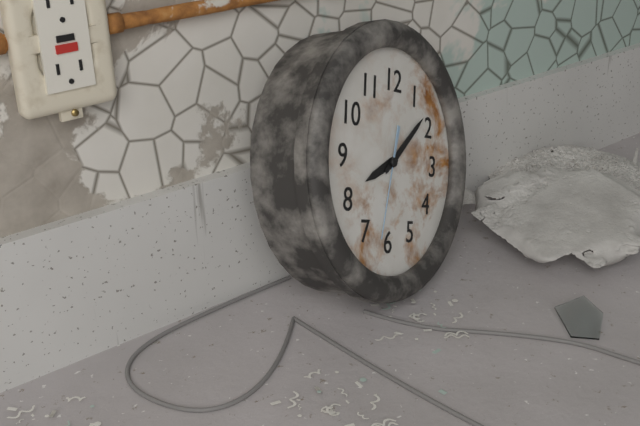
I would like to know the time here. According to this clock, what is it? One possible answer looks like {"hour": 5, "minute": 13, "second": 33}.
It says {"hour": 8, "minute": 8, "second": 32}
